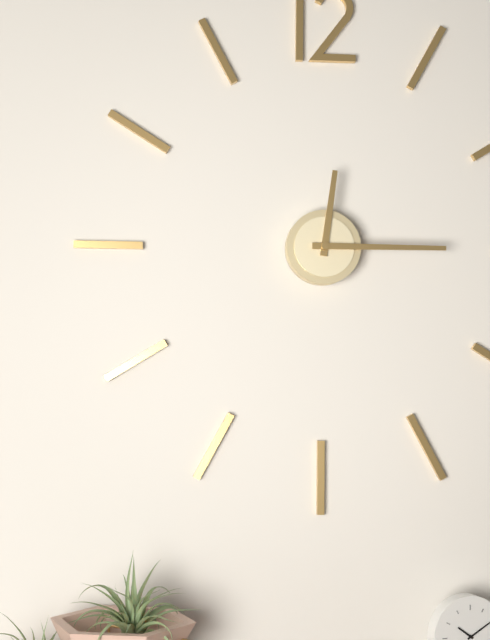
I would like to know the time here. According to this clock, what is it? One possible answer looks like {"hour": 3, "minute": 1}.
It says {"hour": 12, "minute": 15}
